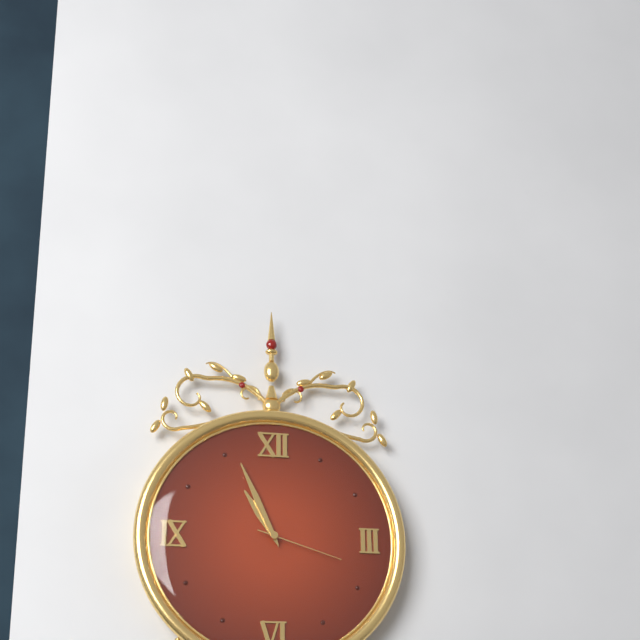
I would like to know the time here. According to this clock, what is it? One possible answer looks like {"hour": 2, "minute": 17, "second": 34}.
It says {"hour": 10, "minute": 56, "second": 18}
